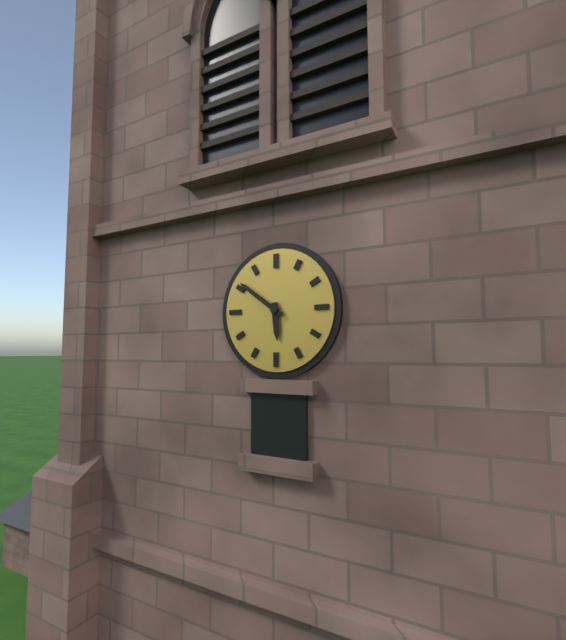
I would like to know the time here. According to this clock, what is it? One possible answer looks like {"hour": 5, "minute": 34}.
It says {"hour": 5, "minute": 51}
